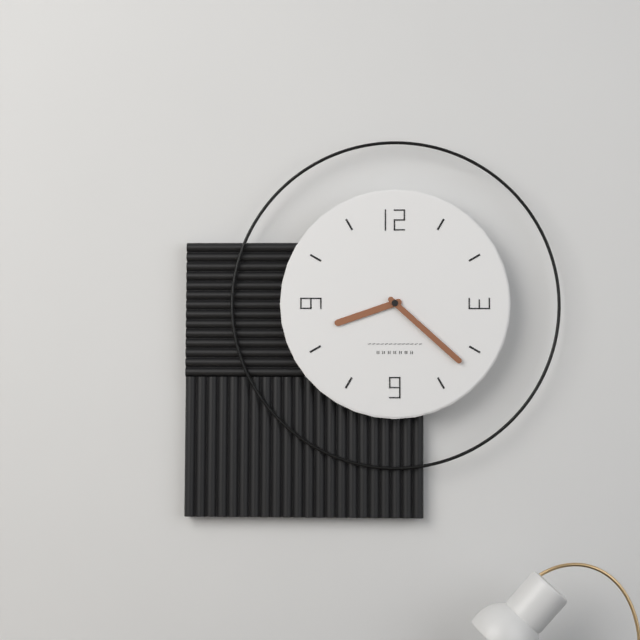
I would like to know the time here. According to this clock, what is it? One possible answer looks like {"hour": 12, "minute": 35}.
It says {"hour": 8, "minute": 22}
